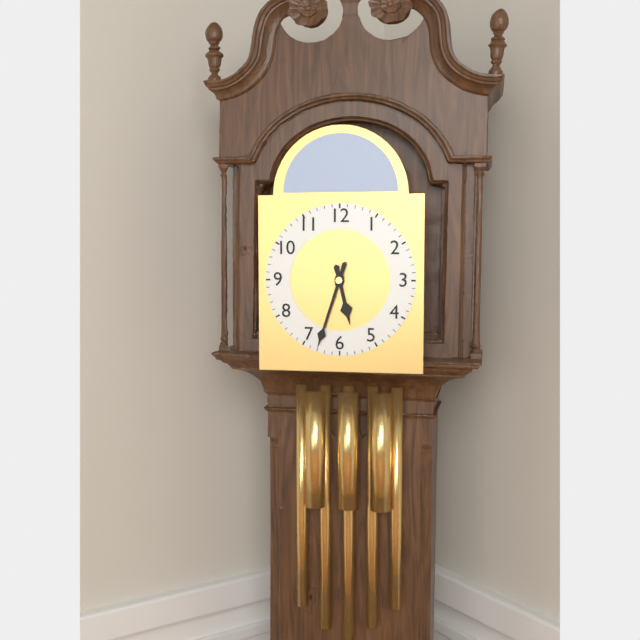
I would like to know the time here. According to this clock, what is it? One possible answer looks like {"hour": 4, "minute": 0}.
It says {"hour": 5, "minute": 33}
